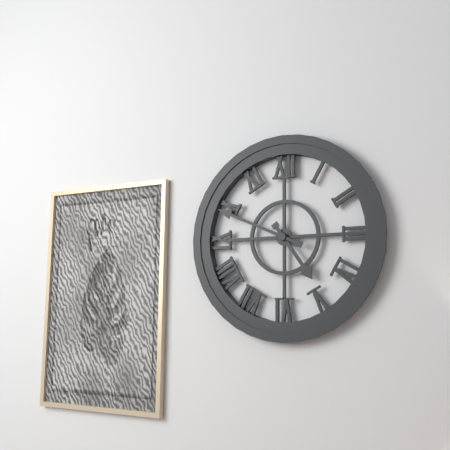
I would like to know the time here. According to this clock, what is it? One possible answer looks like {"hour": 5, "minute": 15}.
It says {"hour": 4, "minute": 49}
